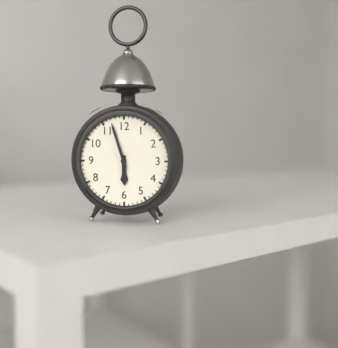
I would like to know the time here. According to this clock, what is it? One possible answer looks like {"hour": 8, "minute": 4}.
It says {"hour": 5, "minute": 57}
